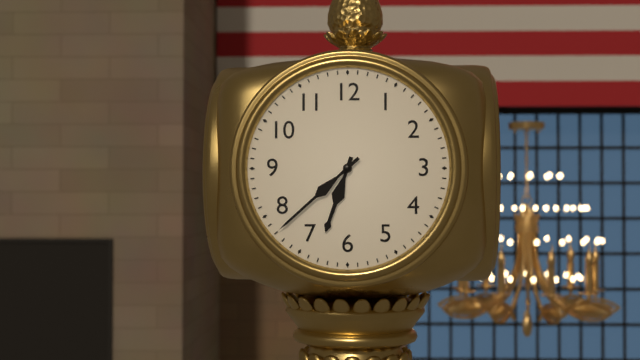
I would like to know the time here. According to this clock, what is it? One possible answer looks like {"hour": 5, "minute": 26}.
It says {"hour": 6, "minute": 38}
